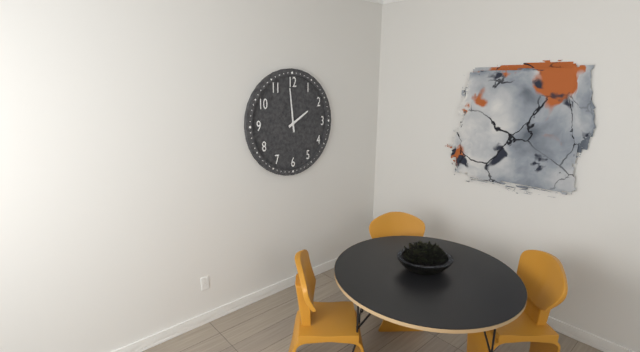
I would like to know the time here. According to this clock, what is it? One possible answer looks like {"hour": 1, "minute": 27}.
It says {"hour": 1, "minute": 59}
